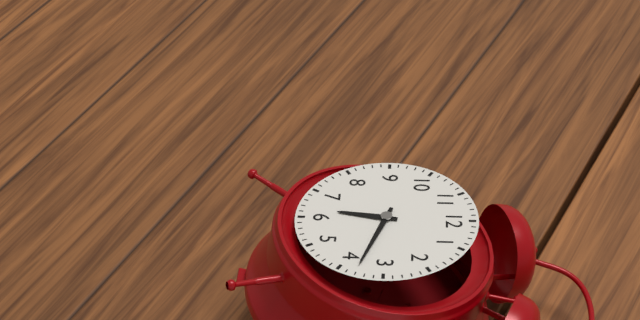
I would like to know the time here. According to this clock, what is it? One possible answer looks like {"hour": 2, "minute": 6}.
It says {"hour": 6, "minute": 18}
